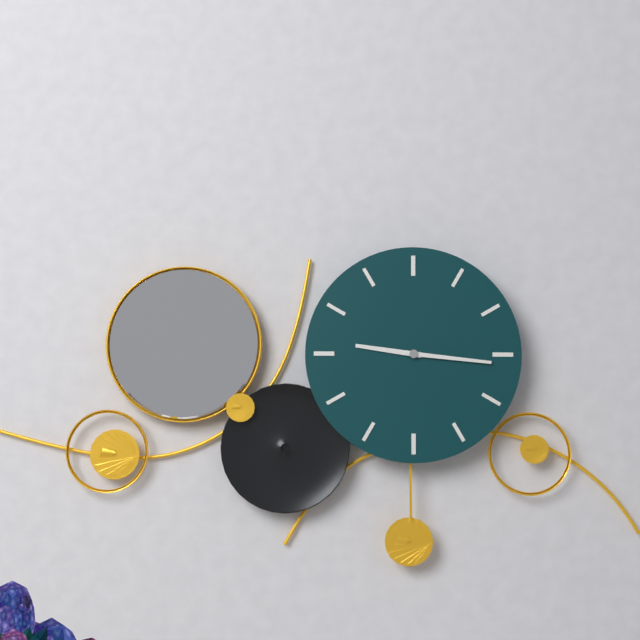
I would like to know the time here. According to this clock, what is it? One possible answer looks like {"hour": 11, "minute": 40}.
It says {"hour": 9, "minute": 16}
